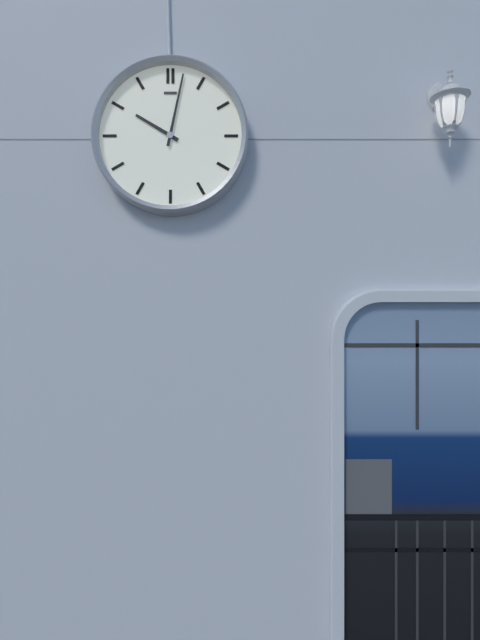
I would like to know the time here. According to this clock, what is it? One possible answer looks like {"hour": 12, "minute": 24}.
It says {"hour": 10, "minute": 2}
